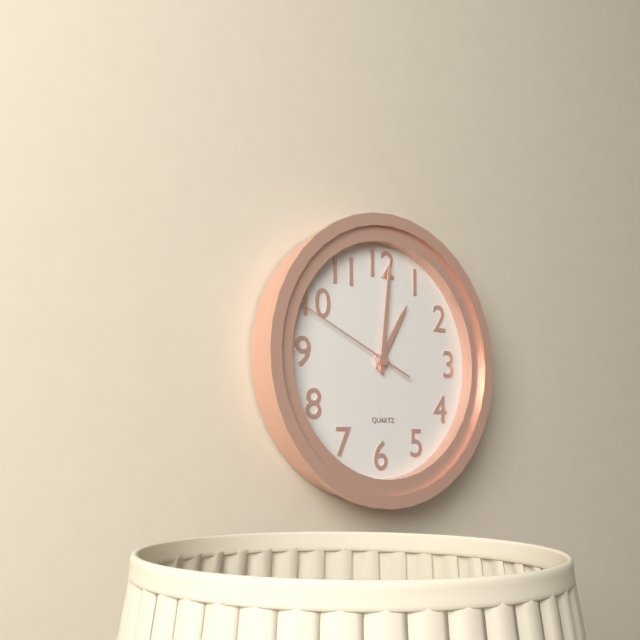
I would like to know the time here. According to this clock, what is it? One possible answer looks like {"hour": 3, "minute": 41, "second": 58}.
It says {"hour": 1, "minute": 1, "second": 49}
